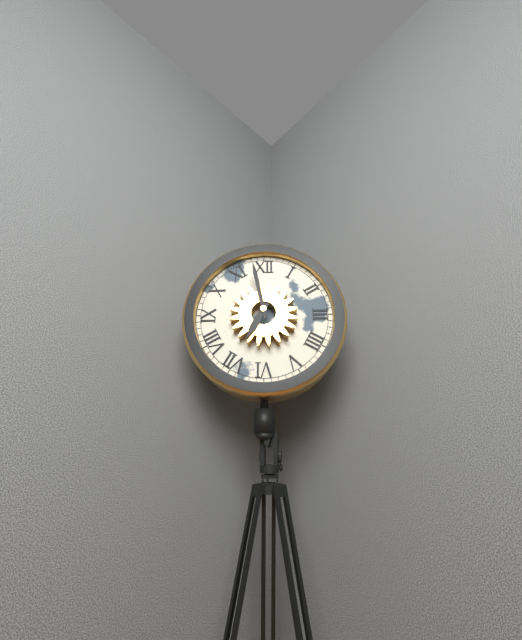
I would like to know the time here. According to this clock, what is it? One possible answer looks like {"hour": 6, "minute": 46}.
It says {"hour": 6, "minute": 58}
